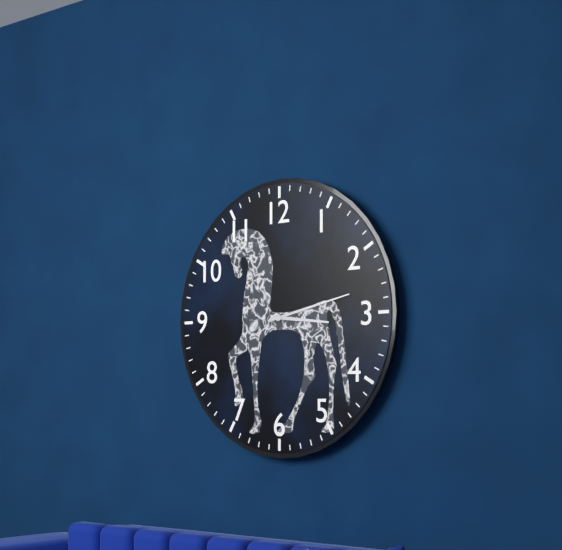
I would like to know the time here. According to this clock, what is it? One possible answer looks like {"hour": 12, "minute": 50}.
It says {"hour": 3, "minute": 13}
